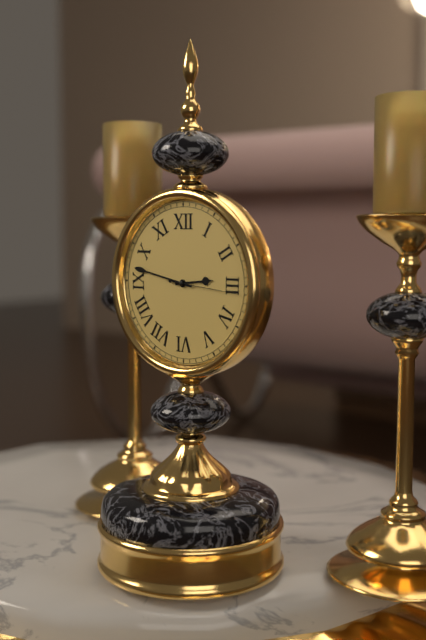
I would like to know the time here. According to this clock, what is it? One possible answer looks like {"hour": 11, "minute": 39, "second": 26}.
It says {"hour": 2, "minute": 47, "second": 16}
